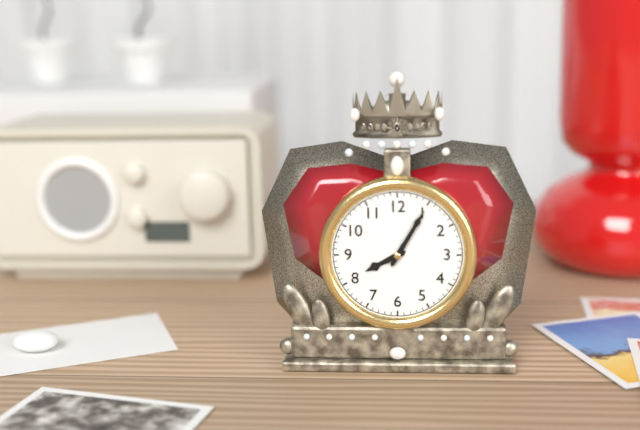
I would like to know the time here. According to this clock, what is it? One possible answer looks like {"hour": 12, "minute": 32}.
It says {"hour": 8, "minute": 5}
